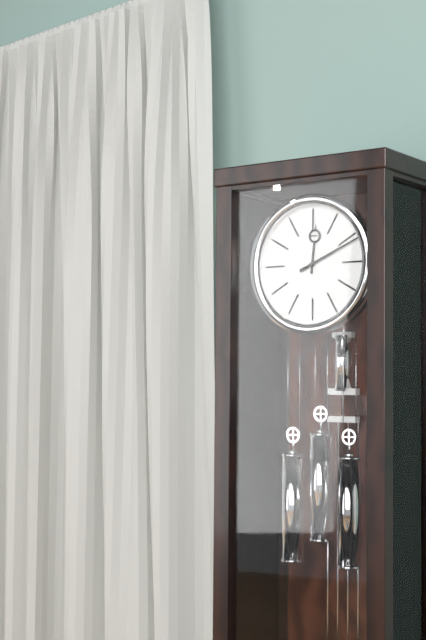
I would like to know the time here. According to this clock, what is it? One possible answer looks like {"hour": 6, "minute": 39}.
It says {"hour": 12, "minute": 11}
